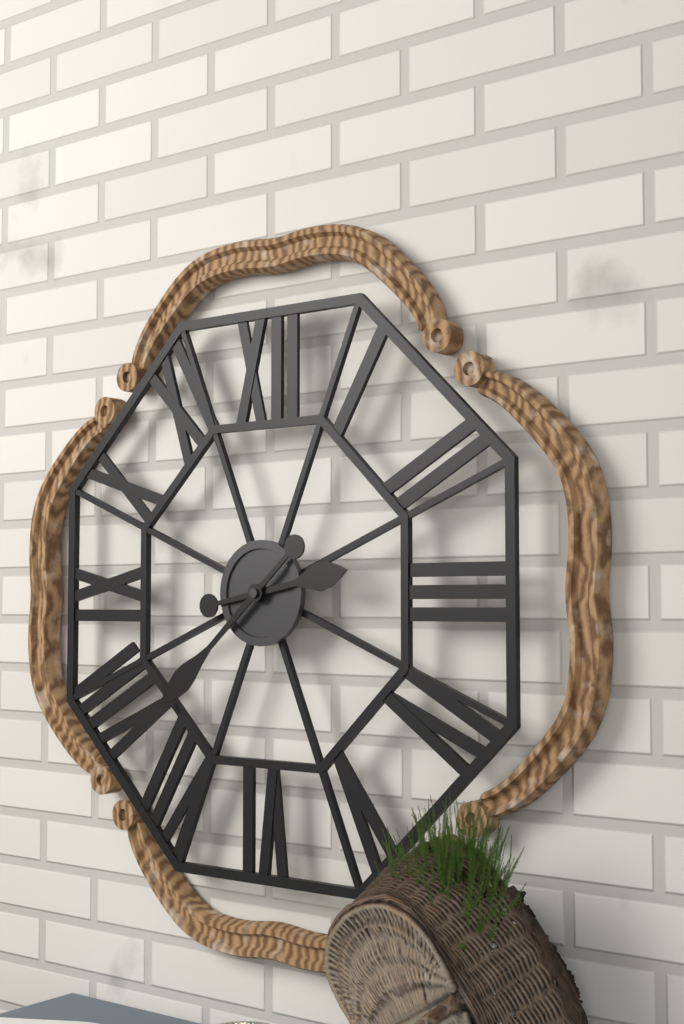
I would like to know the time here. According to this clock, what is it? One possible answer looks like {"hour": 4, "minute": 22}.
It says {"hour": 2, "minute": 38}
